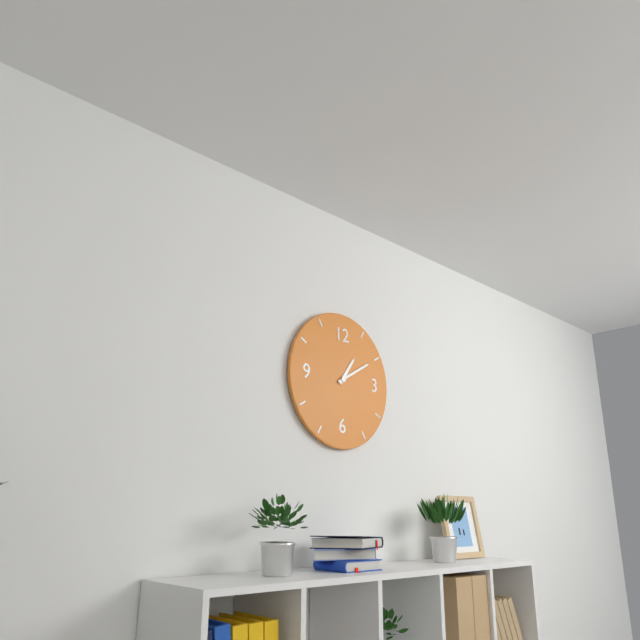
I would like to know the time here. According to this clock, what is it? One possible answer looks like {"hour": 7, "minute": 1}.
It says {"hour": 1, "minute": 10}
